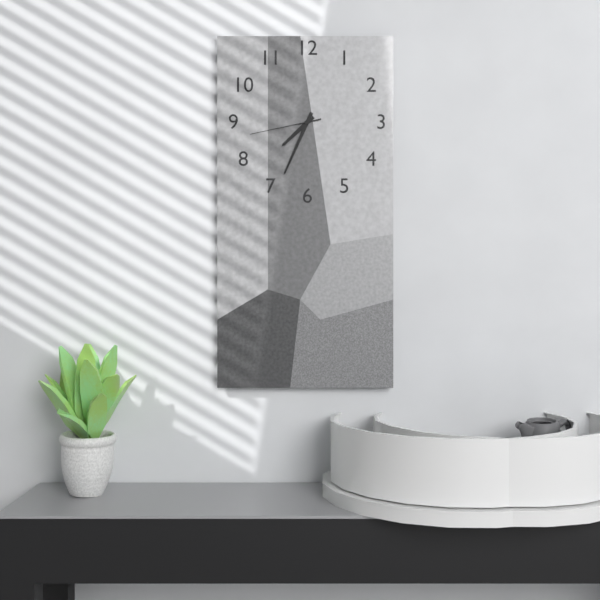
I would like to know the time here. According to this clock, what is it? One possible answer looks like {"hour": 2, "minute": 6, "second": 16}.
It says {"hour": 7, "minute": 34, "second": 43}
